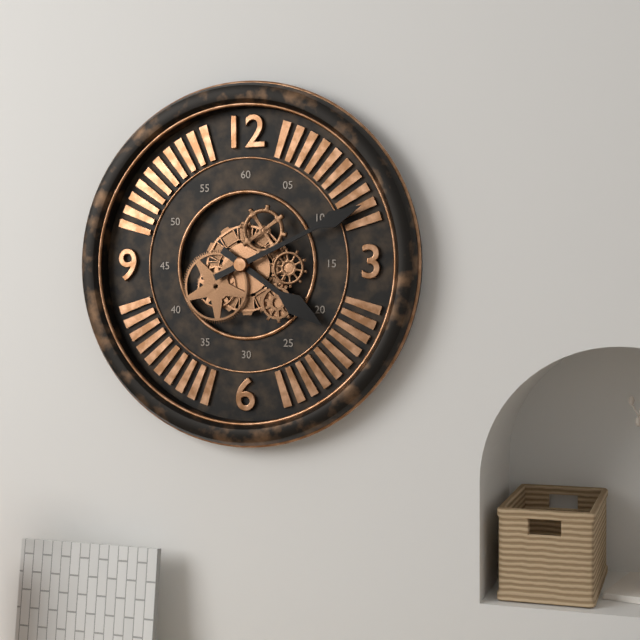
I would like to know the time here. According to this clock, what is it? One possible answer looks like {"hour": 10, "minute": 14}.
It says {"hour": 4, "minute": 11}
